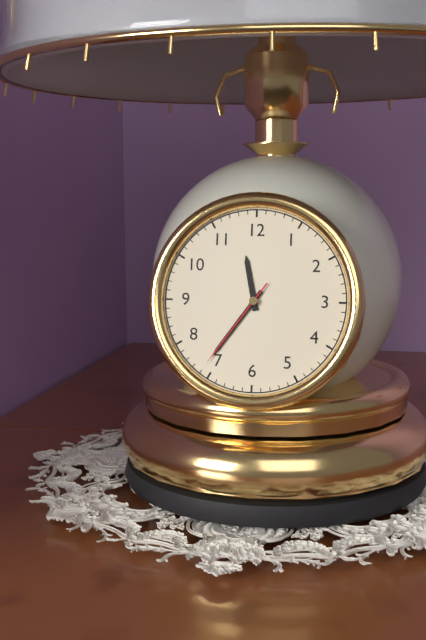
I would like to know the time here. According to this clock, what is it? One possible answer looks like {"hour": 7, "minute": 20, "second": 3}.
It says {"hour": 11, "minute": 36, "second": 36}
